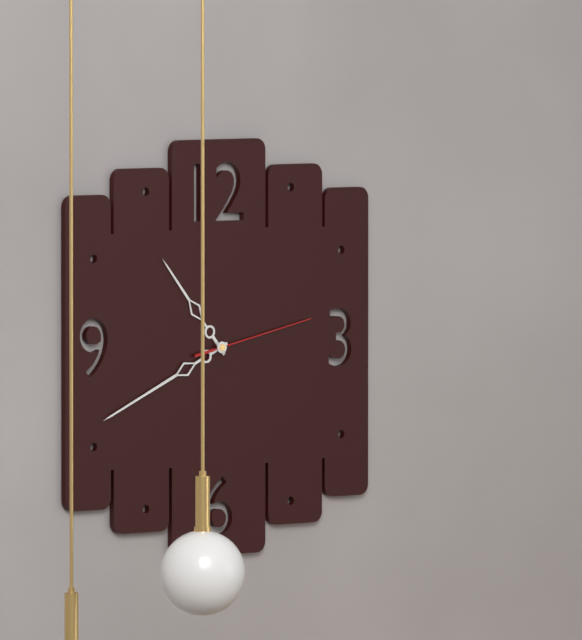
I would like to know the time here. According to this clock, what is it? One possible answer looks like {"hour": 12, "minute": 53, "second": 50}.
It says {"hour": 10, "minute": 41, "second": 13}
